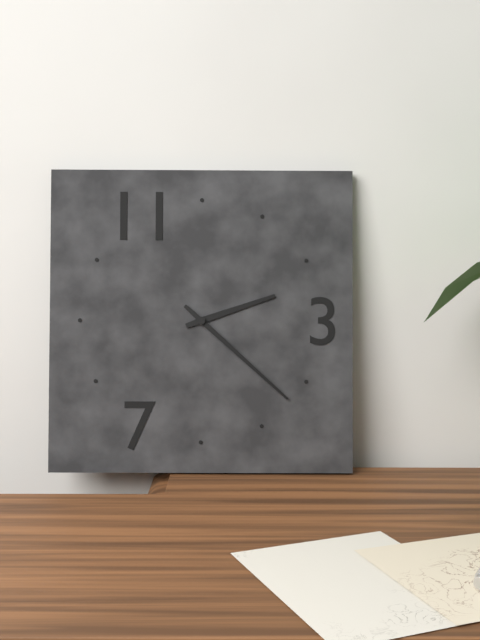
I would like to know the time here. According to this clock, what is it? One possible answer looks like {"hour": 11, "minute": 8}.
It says {"hour": 2, "minute": 22}
